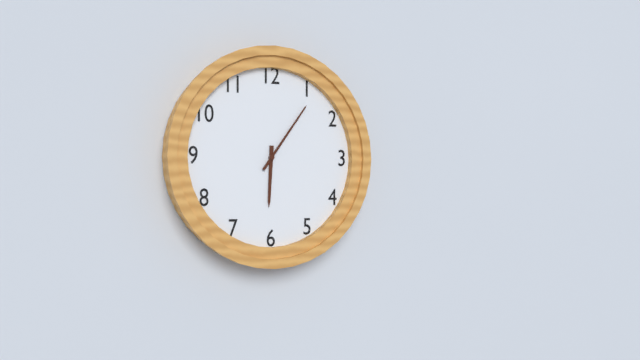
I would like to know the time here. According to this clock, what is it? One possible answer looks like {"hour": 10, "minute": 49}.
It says {"hour": 6, "minute": 6}
